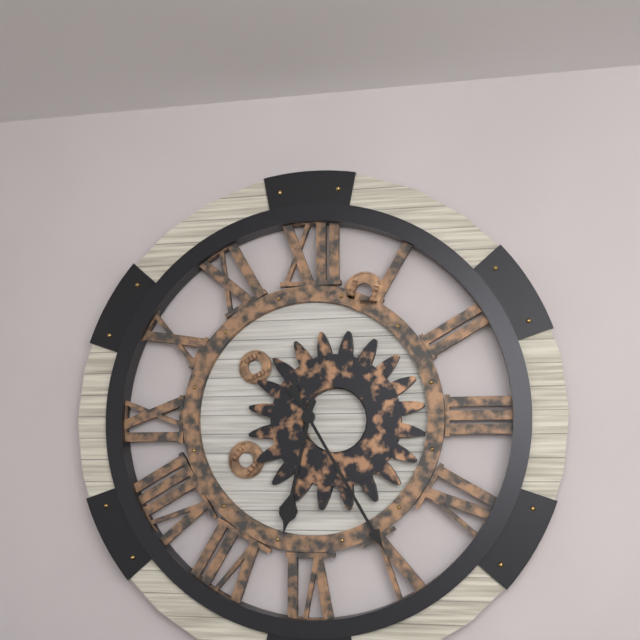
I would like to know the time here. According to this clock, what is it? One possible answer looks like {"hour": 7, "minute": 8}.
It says {"hour": 6, "minute": 25}
